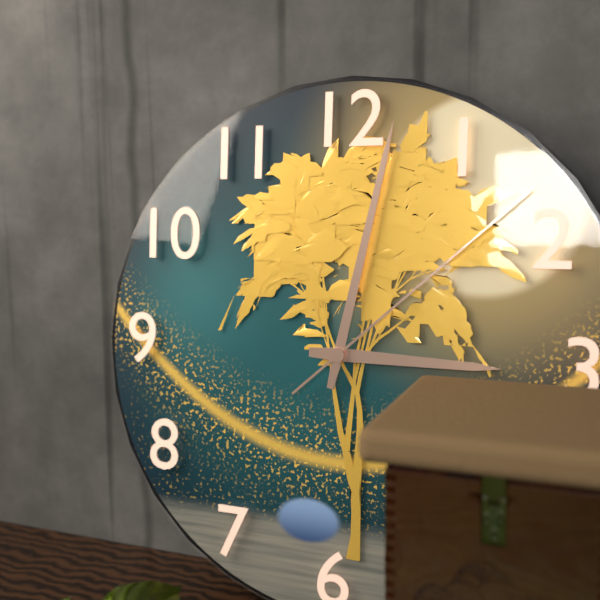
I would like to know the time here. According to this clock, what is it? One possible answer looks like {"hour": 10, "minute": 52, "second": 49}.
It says {"hour": 3, "minute": 2, "second": 8}
